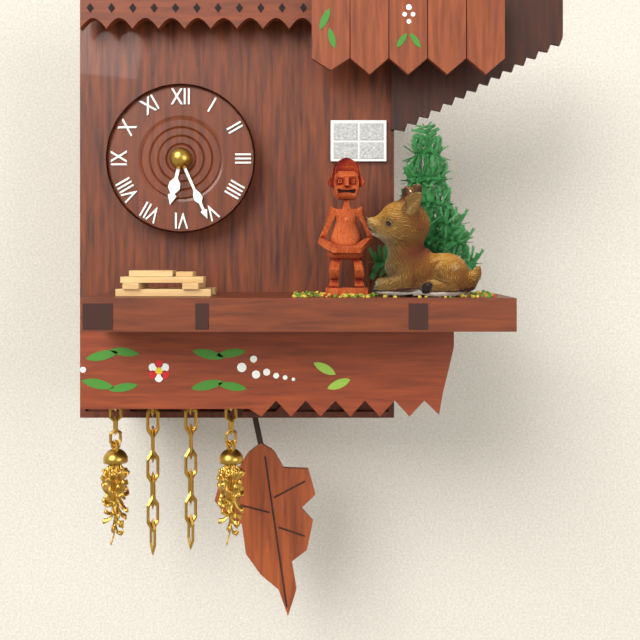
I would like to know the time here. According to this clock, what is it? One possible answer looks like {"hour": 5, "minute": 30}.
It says {"hour": 6, "minute": 26}
